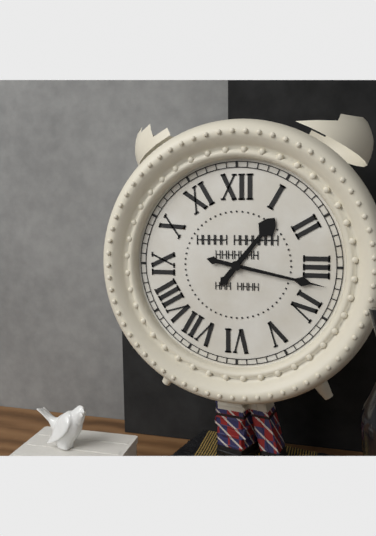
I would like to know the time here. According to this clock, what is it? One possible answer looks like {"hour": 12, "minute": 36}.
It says {"hour": 1, "minute": 17}
